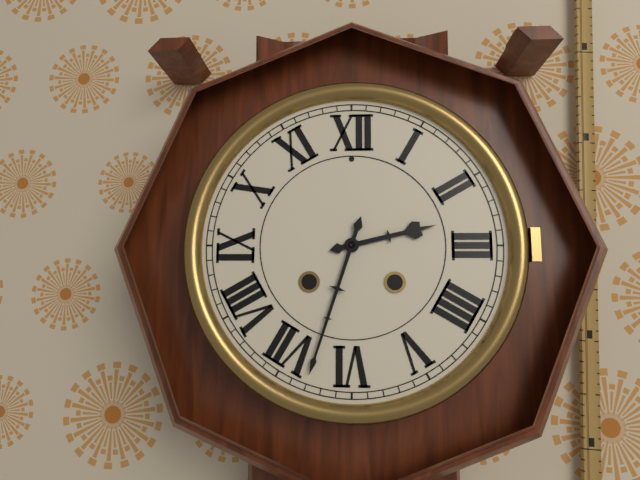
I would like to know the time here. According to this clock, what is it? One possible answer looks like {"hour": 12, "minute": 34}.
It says {"hour": 2, "minute": 33}
